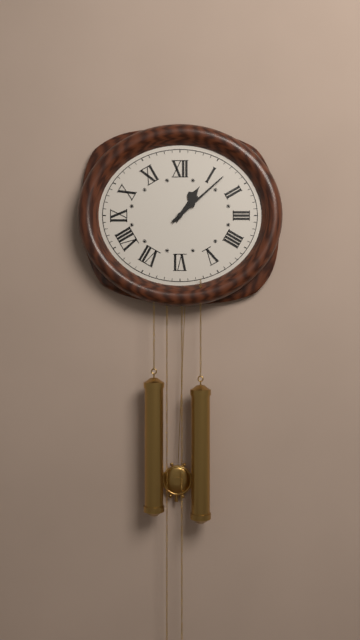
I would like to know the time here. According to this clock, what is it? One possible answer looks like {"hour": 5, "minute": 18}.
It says {"hour": 1, "minute": 8}
